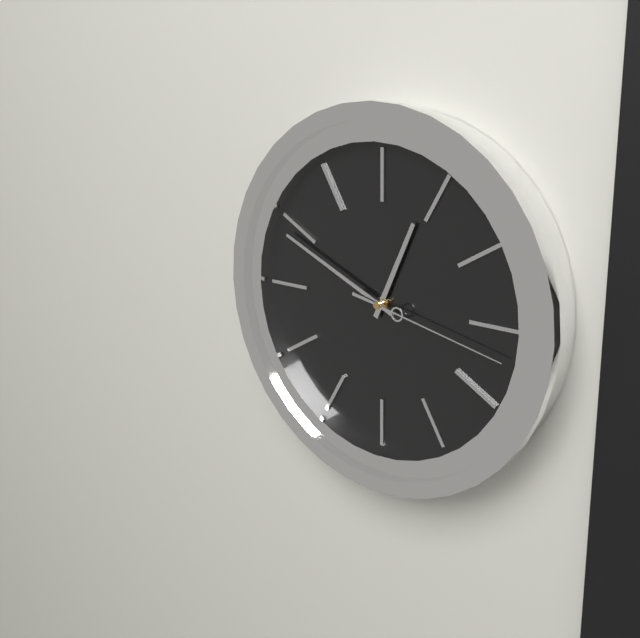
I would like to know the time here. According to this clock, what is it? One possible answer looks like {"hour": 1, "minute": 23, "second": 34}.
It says {"hour": 12, "minute": 49, "second": 17}
